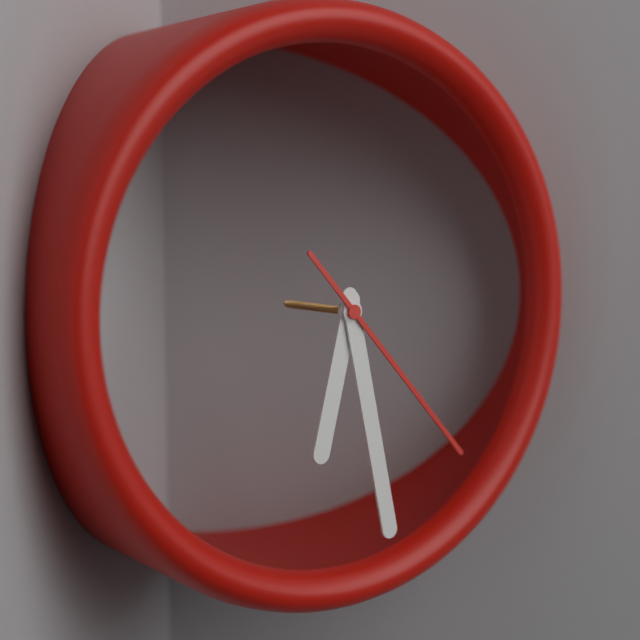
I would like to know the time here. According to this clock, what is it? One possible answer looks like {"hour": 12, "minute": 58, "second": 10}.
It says {"hour": 6, "minute": 28, "second": 23}
